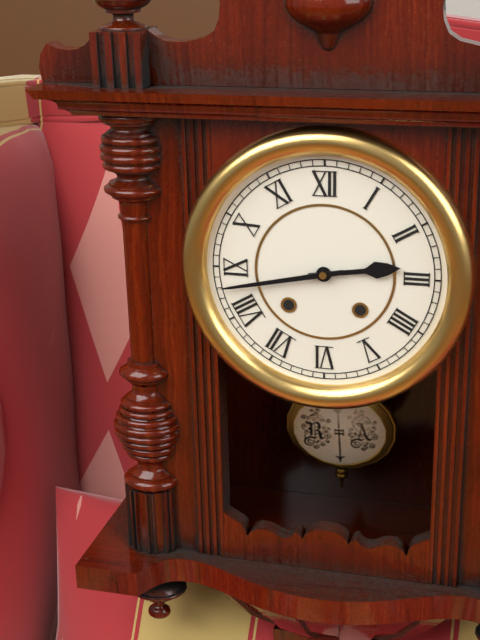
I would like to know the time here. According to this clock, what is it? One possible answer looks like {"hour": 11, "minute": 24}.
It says {"hour": 2, "minute": 43}
